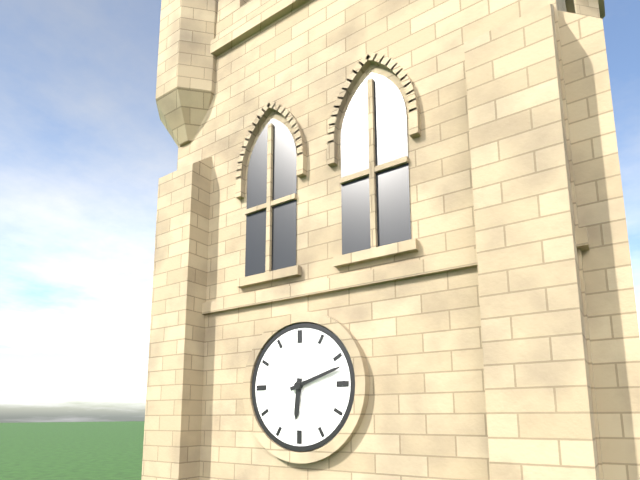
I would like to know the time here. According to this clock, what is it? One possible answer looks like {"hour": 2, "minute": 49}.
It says {"hour": 6, "minute": 12}
